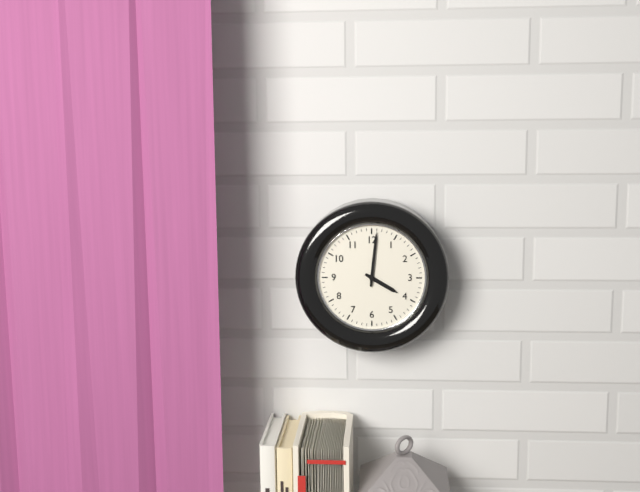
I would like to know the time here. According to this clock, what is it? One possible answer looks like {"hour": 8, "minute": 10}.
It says {"hour": 4, "minute": 1}
